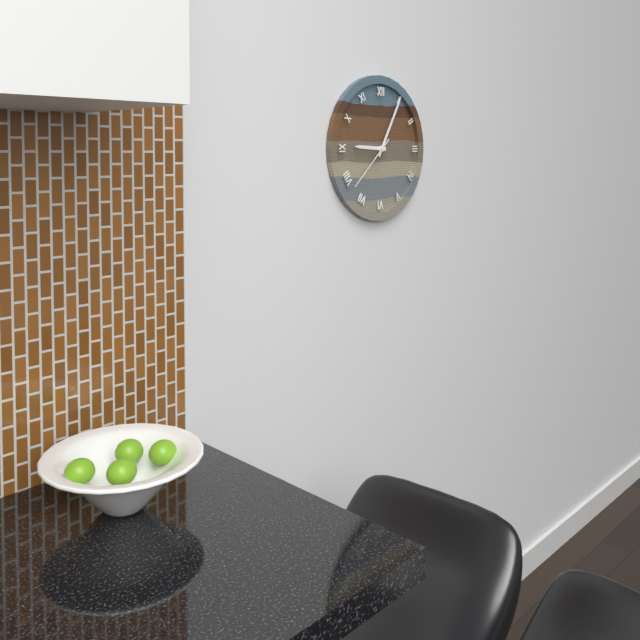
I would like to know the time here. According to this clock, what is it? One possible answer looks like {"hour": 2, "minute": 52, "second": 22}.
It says {"hour": 9, "minute": 5, "second": 38}
